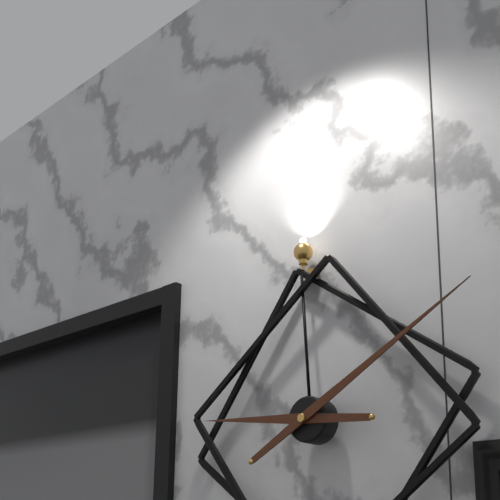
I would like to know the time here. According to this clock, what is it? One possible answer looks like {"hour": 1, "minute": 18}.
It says {"hour": 9, "minute": 10}
